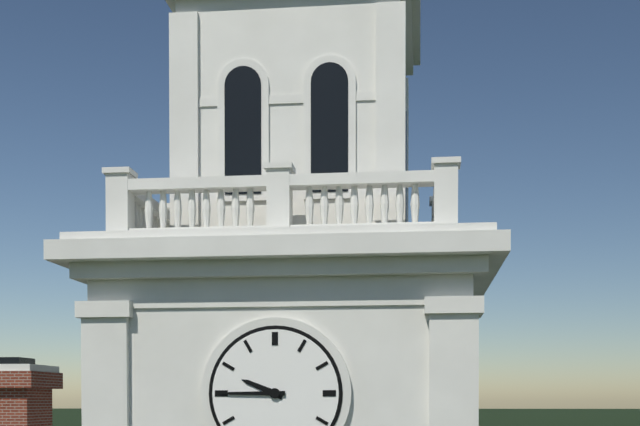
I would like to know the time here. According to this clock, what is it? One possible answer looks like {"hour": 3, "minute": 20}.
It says {"hour": 9, "minute": 45}
